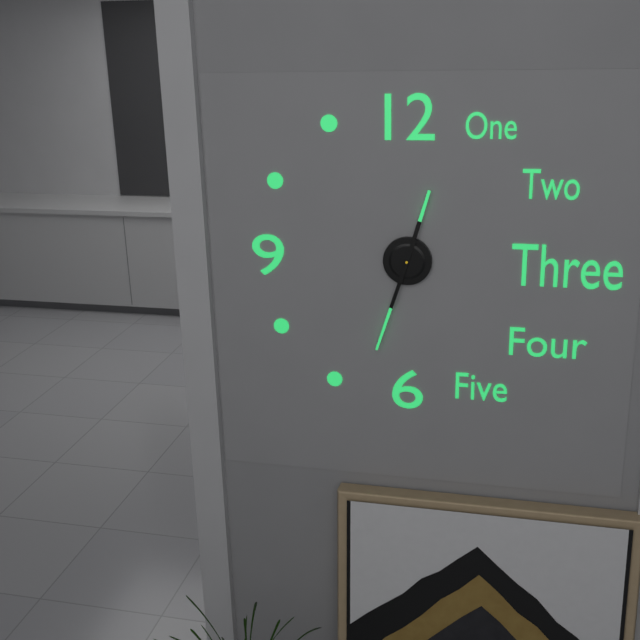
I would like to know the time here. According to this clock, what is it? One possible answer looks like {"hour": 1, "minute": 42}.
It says {"hour": 12, "minute": 33}
